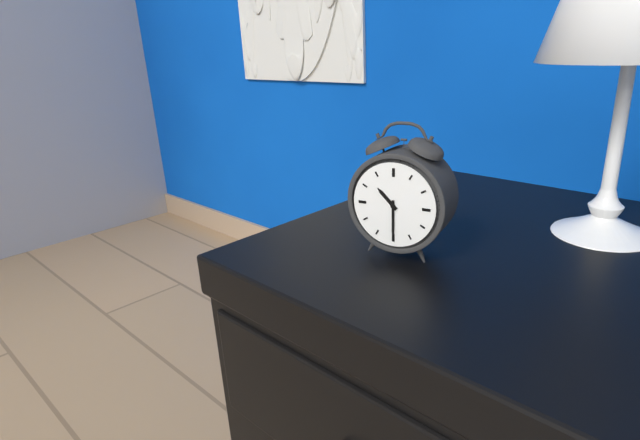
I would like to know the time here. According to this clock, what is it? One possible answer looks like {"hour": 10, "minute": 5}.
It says {"hour": 10, "minute": 30}
